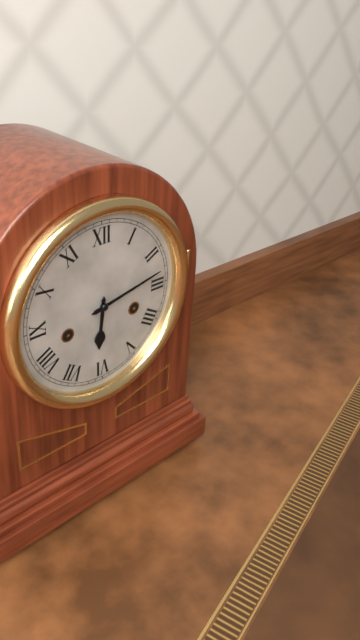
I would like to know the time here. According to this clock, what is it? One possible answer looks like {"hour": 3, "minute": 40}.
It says {"hour": 6, "minute": 13}
